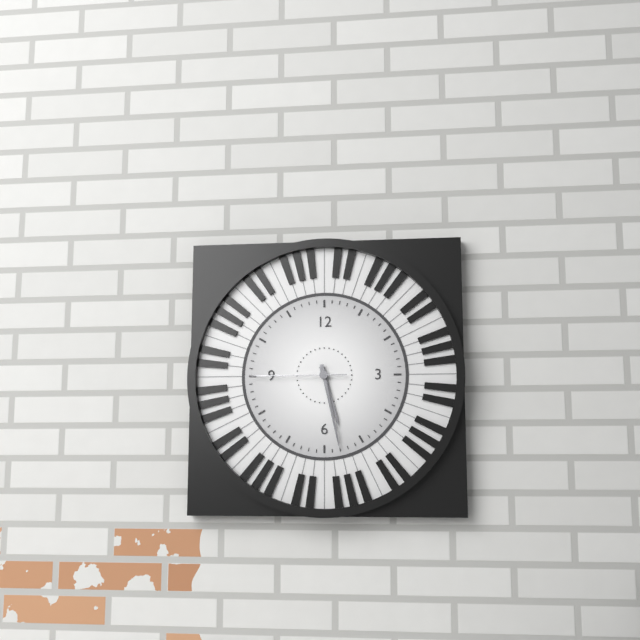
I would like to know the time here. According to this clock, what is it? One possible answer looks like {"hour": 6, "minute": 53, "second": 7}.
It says {"hour": 5, "minute": 28, "second": 45}
